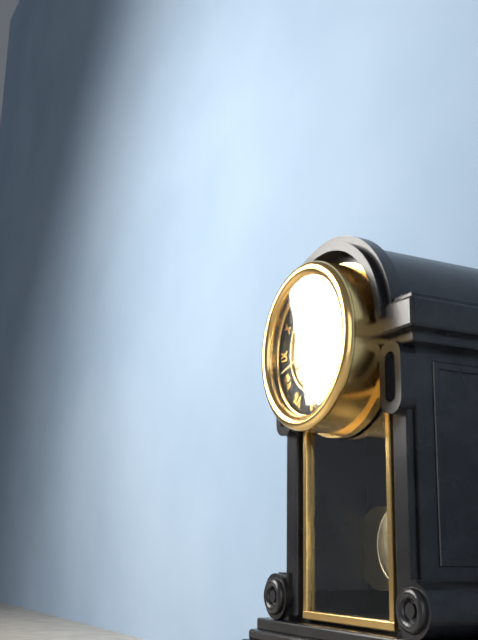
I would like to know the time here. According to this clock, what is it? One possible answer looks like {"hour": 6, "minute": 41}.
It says {"hour": 11, "minute": 42}
